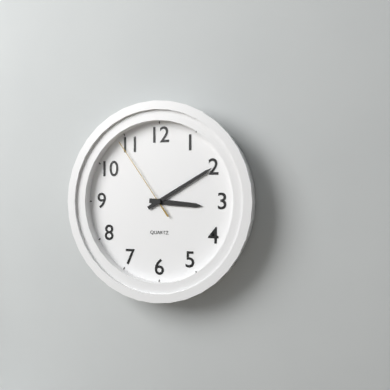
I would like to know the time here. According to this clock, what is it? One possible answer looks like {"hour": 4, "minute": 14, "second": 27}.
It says {"hour": 3, "minute": 10, "second": 54}
